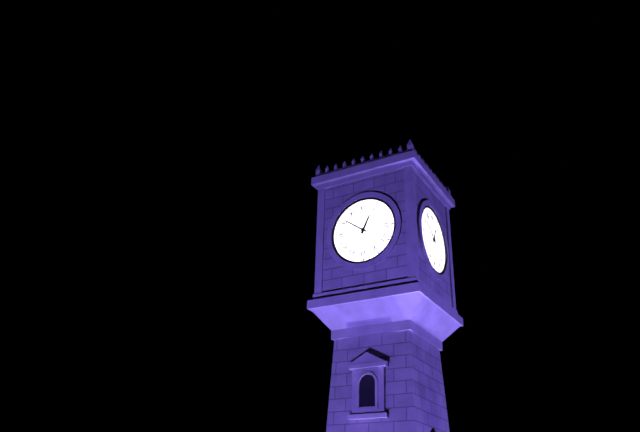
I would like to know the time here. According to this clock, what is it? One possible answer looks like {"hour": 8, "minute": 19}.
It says {"hour": 12, "minute": 51}
